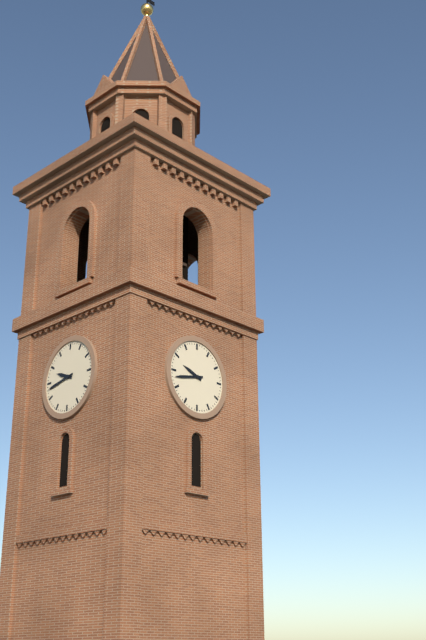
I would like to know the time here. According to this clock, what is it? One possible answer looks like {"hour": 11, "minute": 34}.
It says {"hour": 9, "minute": 43}
